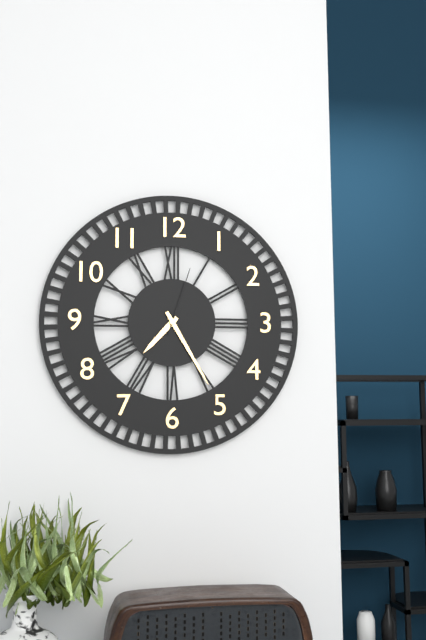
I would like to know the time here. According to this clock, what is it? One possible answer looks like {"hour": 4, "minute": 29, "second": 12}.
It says {"hour": 7, "minute": 25, "second": 3}
